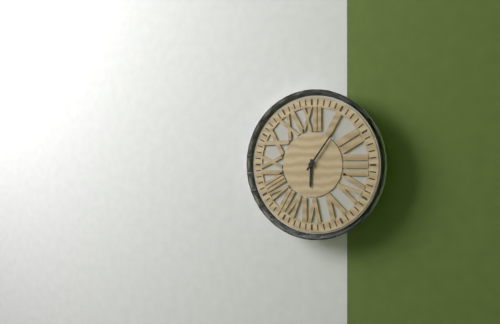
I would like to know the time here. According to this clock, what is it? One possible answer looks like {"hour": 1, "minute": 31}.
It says {"hour": 6, "minute": 6}
